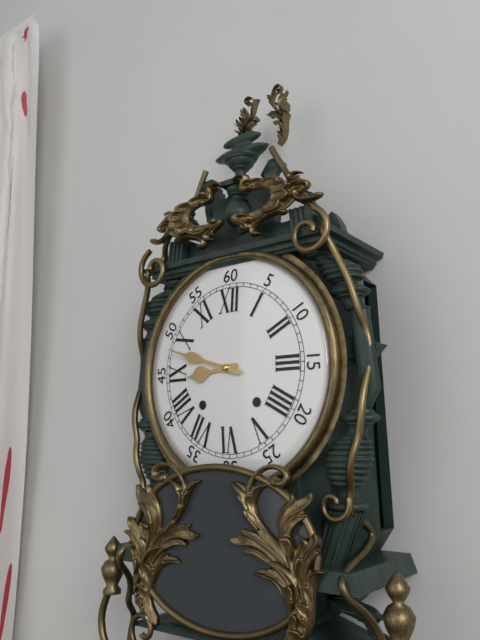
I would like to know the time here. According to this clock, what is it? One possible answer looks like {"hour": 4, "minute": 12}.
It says {"hour": 8, "minute": 48}
